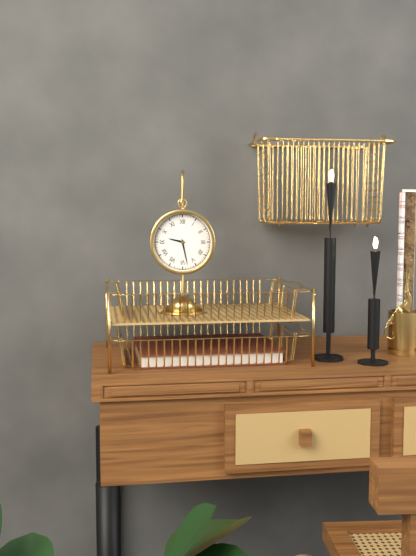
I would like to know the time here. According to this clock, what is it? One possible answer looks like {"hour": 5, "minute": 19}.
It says {"hour": 9, "minute": 28}
